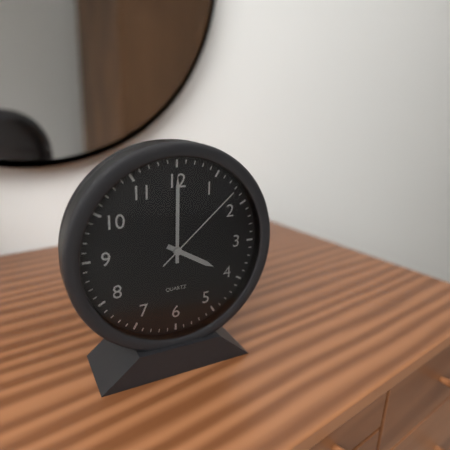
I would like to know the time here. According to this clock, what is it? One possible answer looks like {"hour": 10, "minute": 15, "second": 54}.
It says {"hour": 4, "minute": 0, "second": 8}
